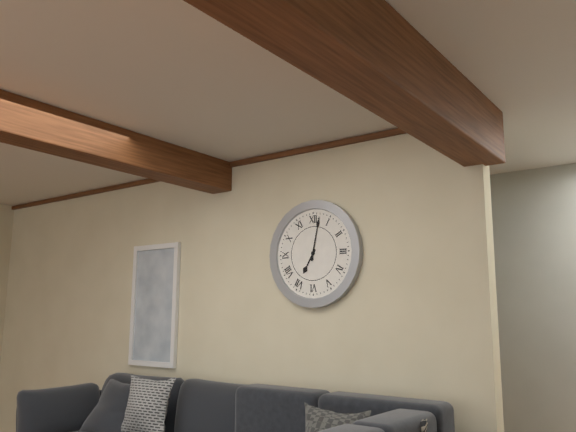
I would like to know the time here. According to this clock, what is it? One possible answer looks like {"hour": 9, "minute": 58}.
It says {"hour": 7, "minute": 2}
